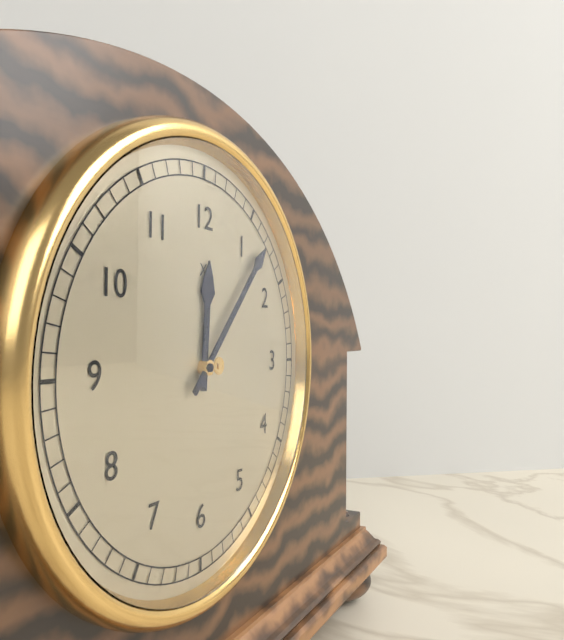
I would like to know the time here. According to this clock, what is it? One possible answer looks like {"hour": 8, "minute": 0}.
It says {"hour": 12, "minute": 7}
